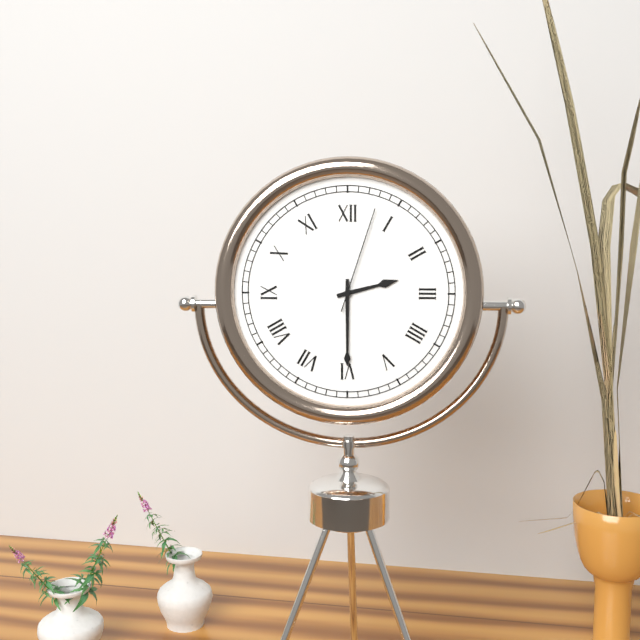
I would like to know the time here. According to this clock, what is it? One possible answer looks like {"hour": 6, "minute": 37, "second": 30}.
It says {"hour": 2, "minute": 30, "second": 3}
